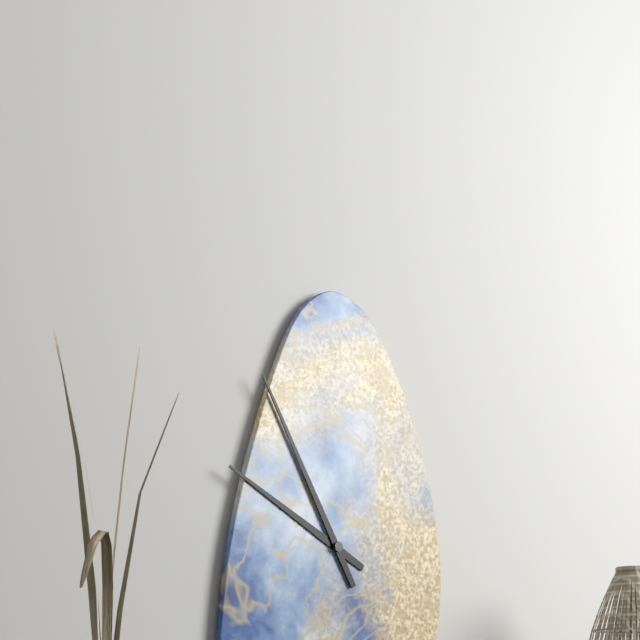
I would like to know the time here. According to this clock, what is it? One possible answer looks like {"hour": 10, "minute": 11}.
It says {"hour": 9, "minute": 55}
